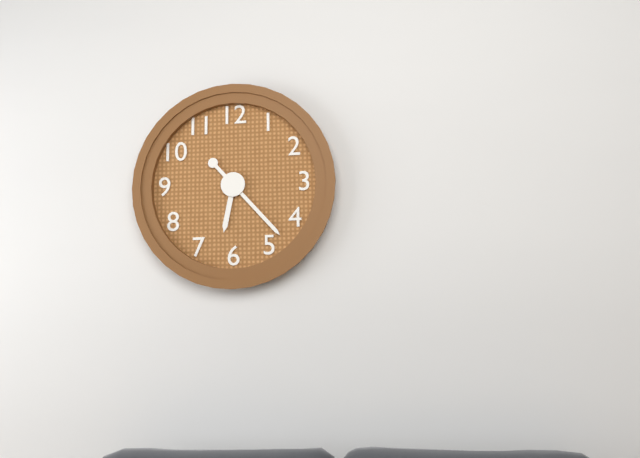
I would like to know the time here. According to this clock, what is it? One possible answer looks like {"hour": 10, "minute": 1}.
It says {"hour": 6, "minute": 23}
